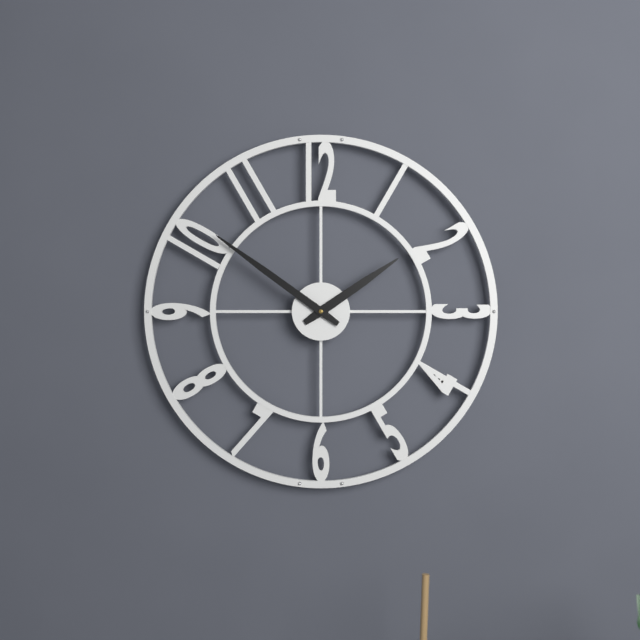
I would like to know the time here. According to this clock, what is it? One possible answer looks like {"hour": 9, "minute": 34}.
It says {"hour": 1, "minute": 51}
